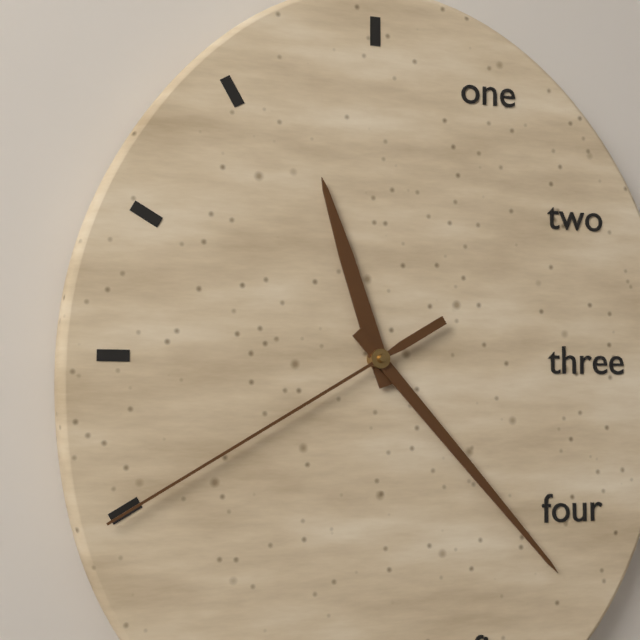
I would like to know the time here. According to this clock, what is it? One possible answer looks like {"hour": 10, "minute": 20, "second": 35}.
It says {"hour": 11, "minute": 23, "second": 40}
